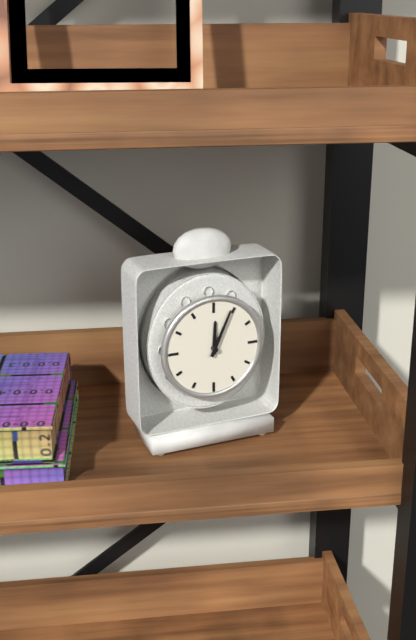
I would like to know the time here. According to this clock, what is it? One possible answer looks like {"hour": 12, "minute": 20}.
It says {"hour": 12, "minute": 4}
